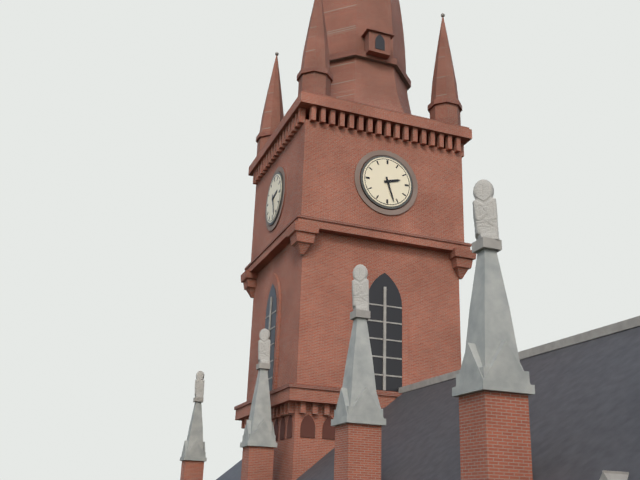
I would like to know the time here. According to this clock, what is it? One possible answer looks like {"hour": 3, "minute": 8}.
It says {"hour": 2, "minute": 27}
